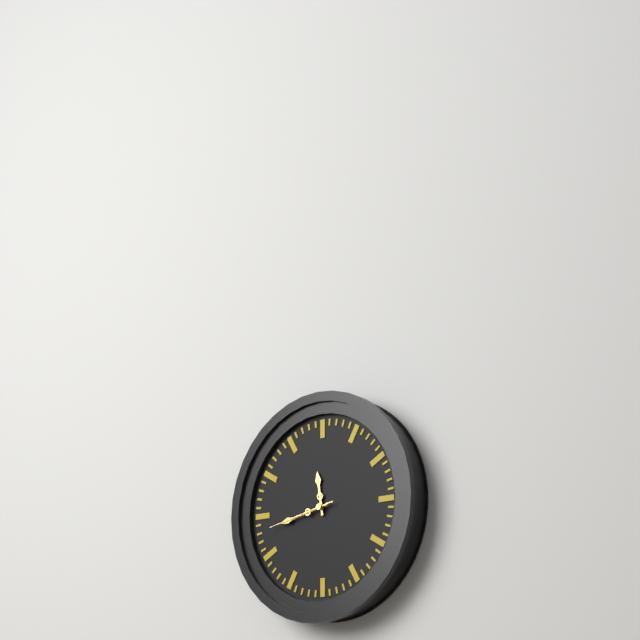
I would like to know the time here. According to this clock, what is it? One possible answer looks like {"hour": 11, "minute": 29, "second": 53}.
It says {"hour": 11, "minute": 43, "second": 43}
